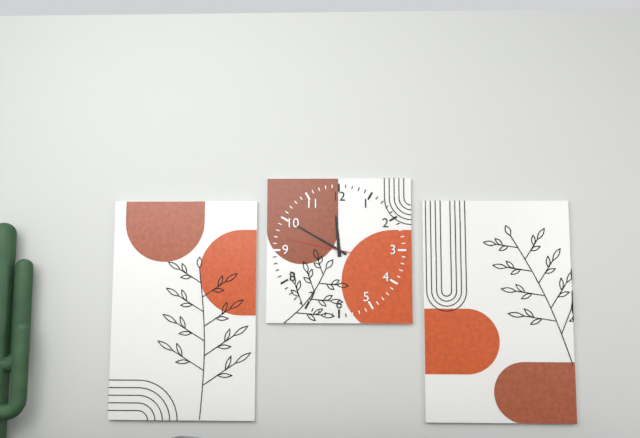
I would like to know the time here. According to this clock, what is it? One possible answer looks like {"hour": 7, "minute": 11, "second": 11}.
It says {"hour": 11, "minute": 50, "second": 47}
